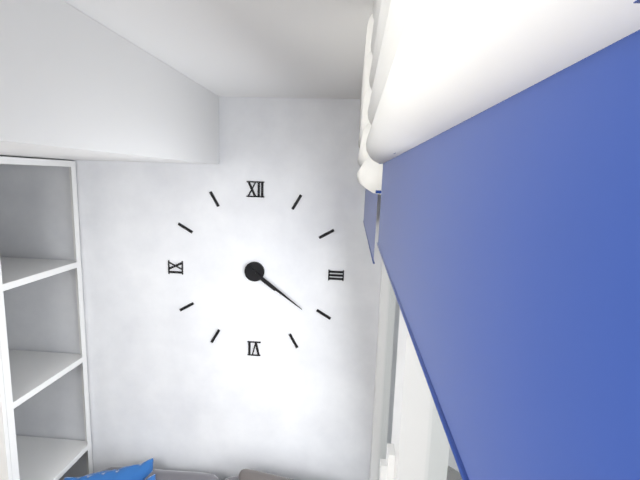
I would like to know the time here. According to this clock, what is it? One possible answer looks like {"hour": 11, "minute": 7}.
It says {"hour": 4, "minute": 21}
